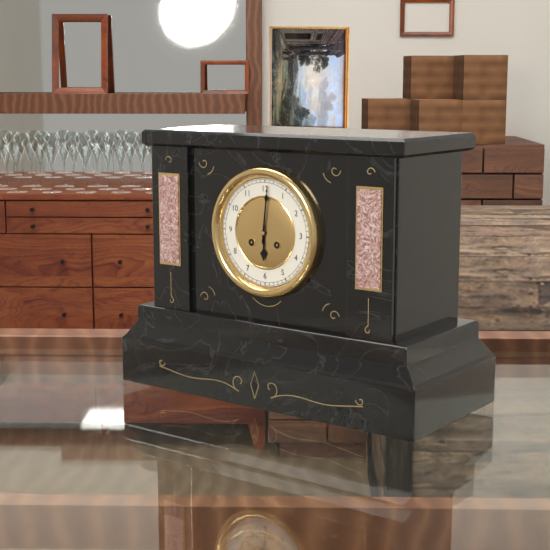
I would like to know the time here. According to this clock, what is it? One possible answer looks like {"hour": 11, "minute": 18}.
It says {"hour": 6, "minute": 1}
